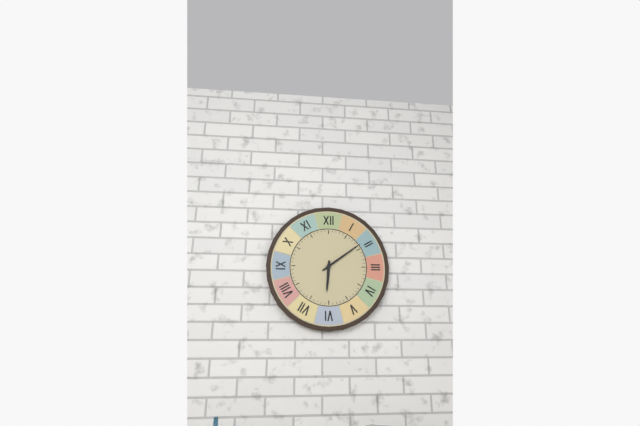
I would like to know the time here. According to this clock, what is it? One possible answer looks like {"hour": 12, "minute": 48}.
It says {"hour": 6, "minute": 9}
